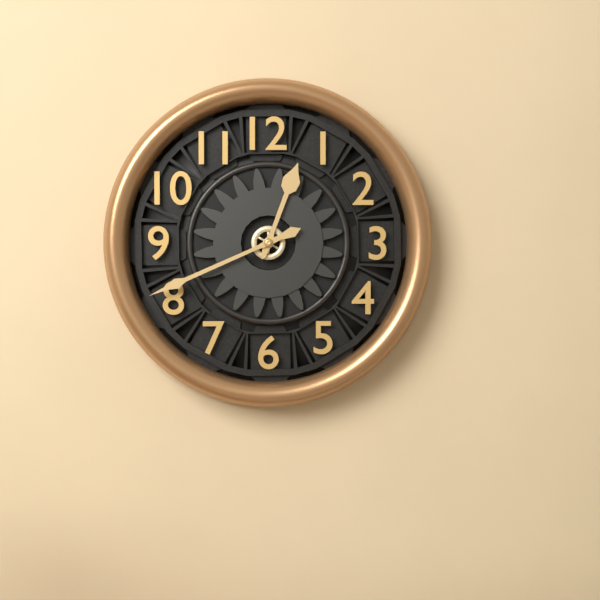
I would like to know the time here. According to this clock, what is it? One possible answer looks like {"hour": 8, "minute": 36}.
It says {"hour": 12, "minute": 41}
